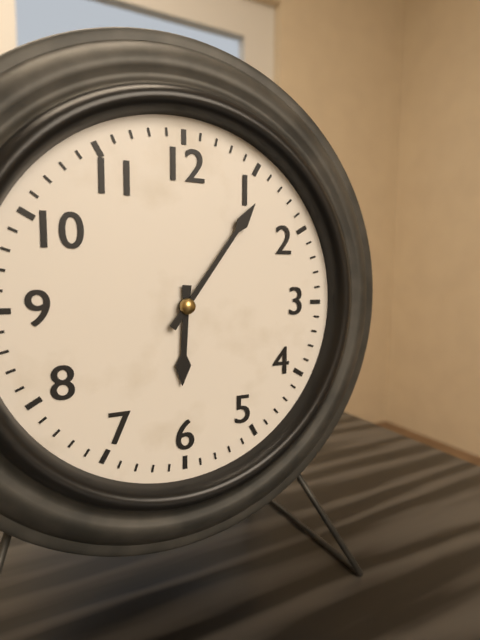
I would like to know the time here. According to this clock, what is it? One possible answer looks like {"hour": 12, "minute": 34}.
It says {"hour": 6, "minute": 6}
